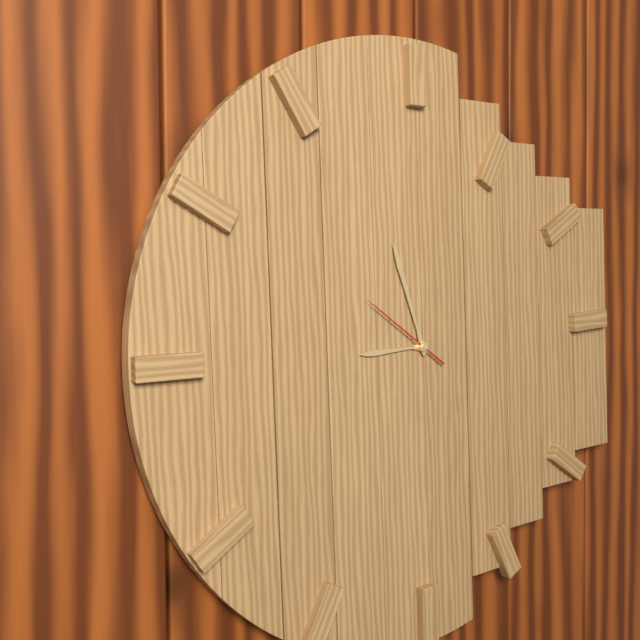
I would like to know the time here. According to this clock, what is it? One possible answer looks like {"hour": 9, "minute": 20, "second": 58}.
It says {"hour": 8, "minute": 57, "second": 51}
